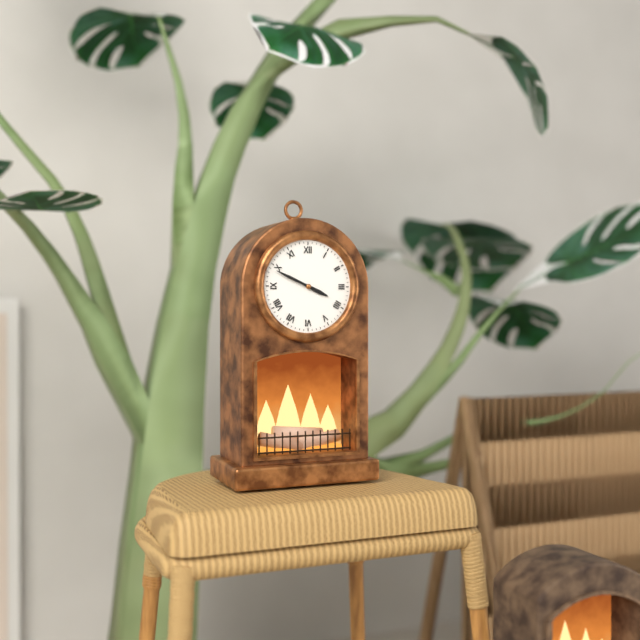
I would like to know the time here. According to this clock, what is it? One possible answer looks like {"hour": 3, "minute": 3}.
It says {"hour": 3, "minute": 49}
